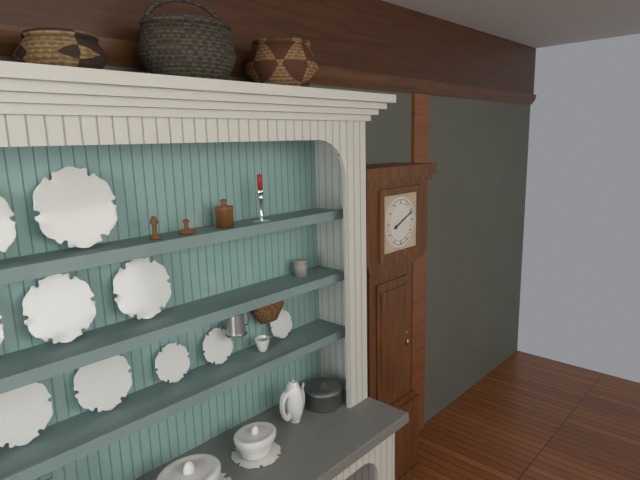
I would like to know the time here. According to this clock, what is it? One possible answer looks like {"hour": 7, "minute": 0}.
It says {"hour": 8, "minute": 11}
